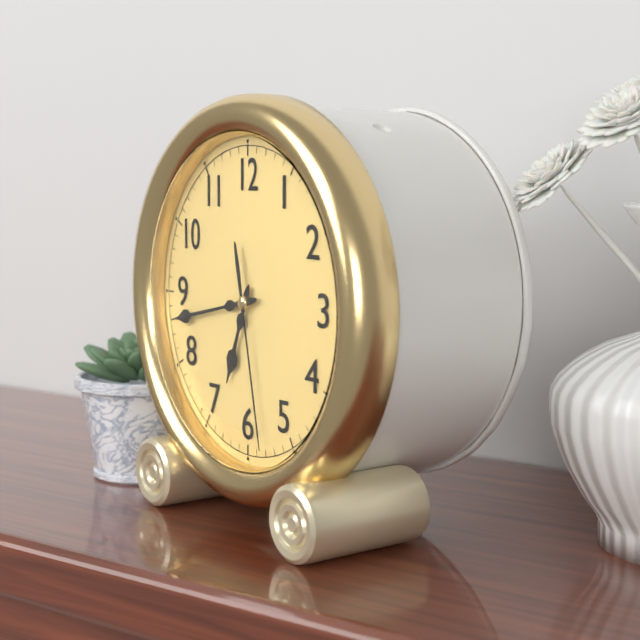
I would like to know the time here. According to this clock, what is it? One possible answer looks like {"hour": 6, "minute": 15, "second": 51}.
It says {"hour": 6, "minute": 43, "second": 28}
